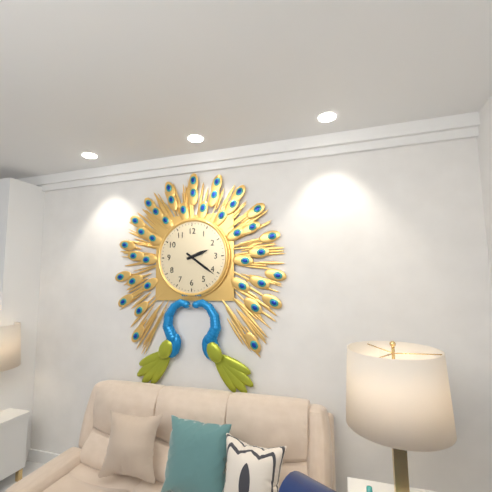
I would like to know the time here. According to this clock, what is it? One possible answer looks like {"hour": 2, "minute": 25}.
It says {"hour": 2, "minute": 21}
